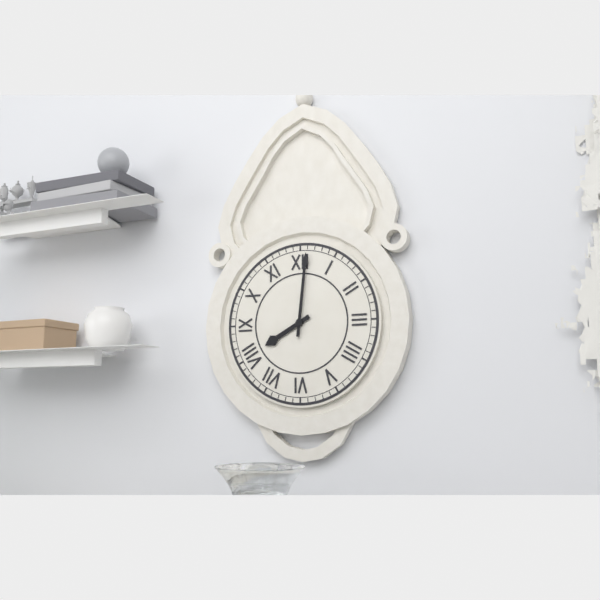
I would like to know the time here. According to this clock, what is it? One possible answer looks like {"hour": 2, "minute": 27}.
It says {"hour": 8, "minute": 1}
